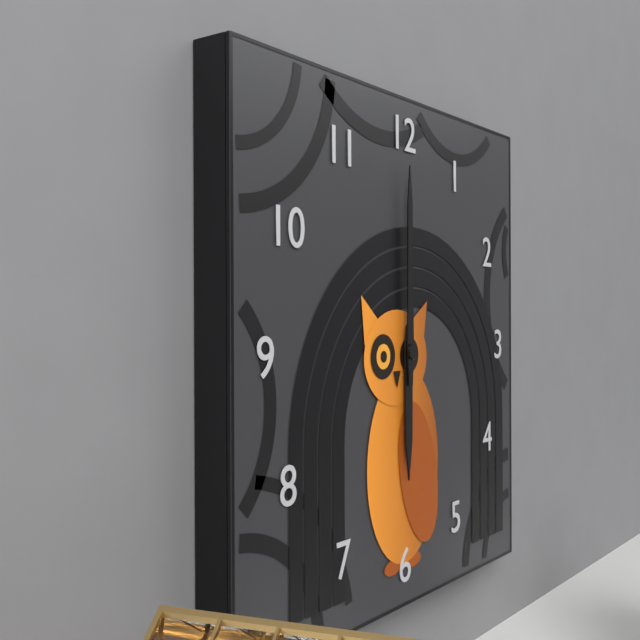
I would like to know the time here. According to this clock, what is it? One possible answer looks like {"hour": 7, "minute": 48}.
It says {"hour": 6, "minute": 0}
